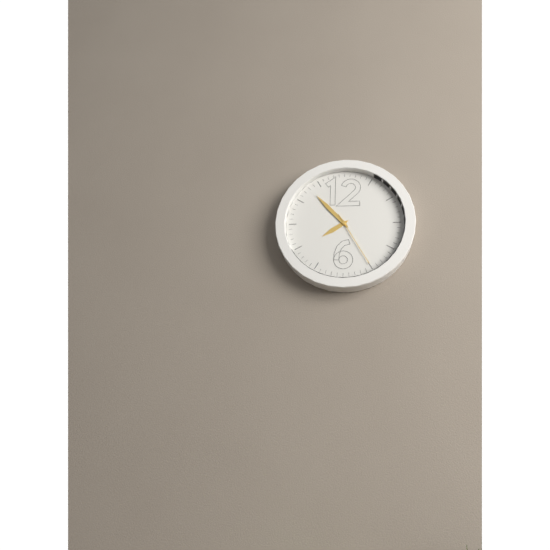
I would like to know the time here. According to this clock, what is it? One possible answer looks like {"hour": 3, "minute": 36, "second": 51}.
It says {"hour": 7, "minute": 53, "second": 25}
